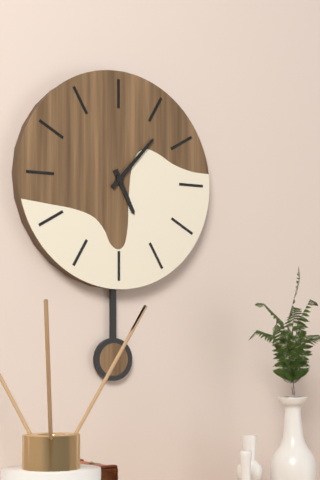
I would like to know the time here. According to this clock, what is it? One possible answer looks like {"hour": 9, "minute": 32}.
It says {"hour": 5, "minute": 7}
